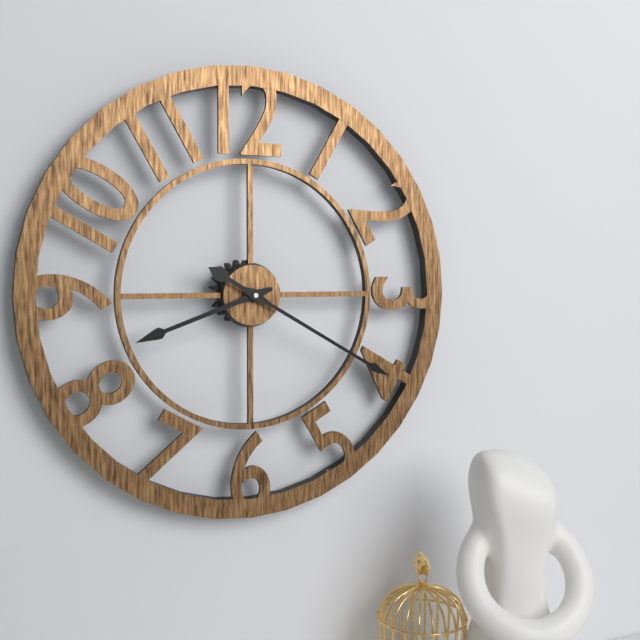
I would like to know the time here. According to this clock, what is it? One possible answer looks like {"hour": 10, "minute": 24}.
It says {"hour": 8, "minute": 20}
